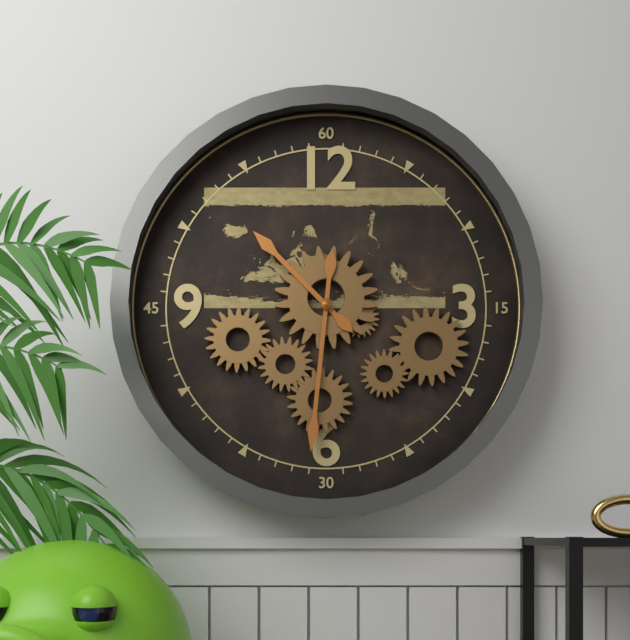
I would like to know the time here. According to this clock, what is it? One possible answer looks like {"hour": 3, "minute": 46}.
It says {"hour": 10, "minute": 31}
